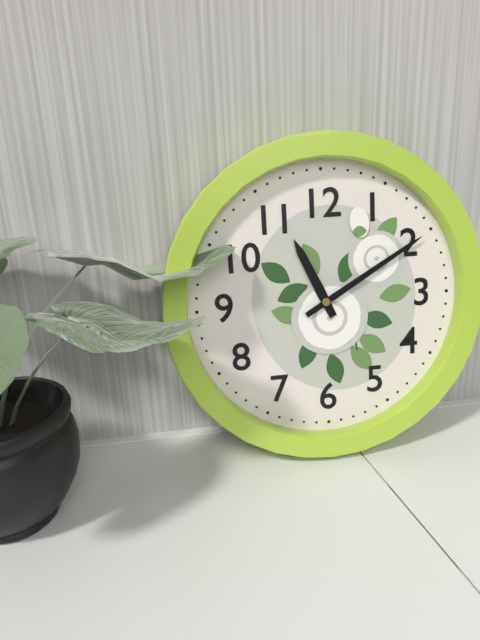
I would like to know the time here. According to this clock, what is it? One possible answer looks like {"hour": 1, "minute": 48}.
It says {"hour": 11, "minute": 10}
